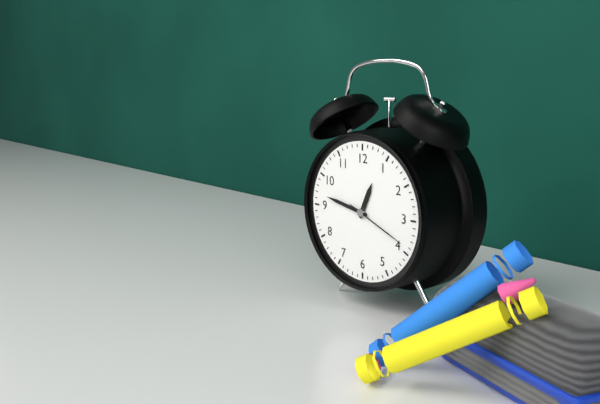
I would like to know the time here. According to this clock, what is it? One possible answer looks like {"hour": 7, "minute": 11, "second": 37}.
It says {"hour": 12, "minute": 47, "second": 19}
